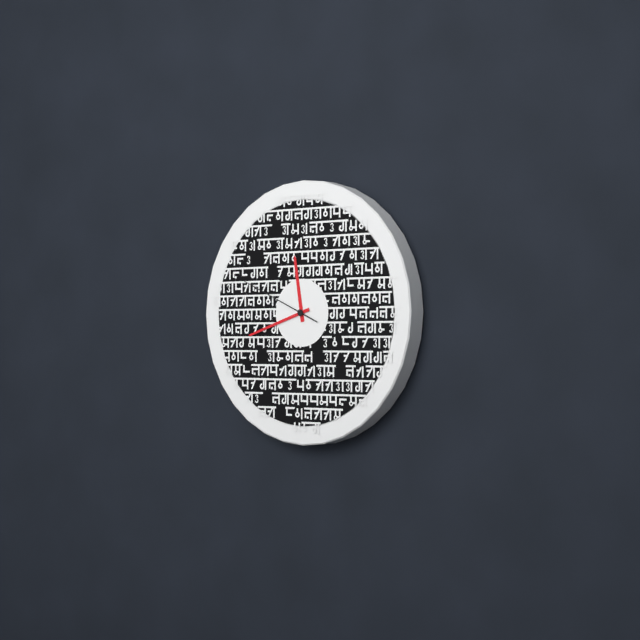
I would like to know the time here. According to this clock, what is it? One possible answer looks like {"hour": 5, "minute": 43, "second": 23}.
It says {"hour": 11, "minute": 42, "second": 49}
